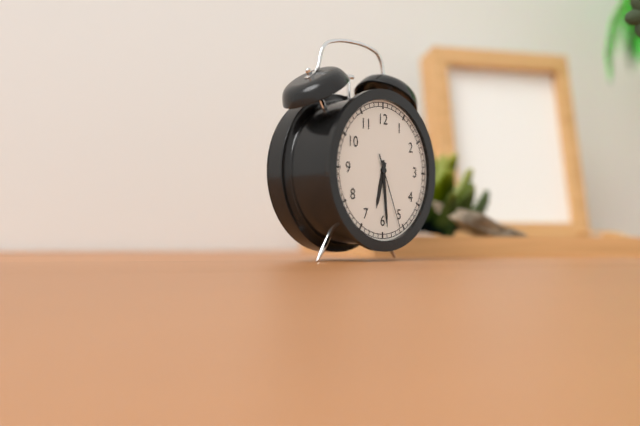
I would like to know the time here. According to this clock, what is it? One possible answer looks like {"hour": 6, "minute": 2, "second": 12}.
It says {"hour": 6, "minute": 29, "second": 26}
